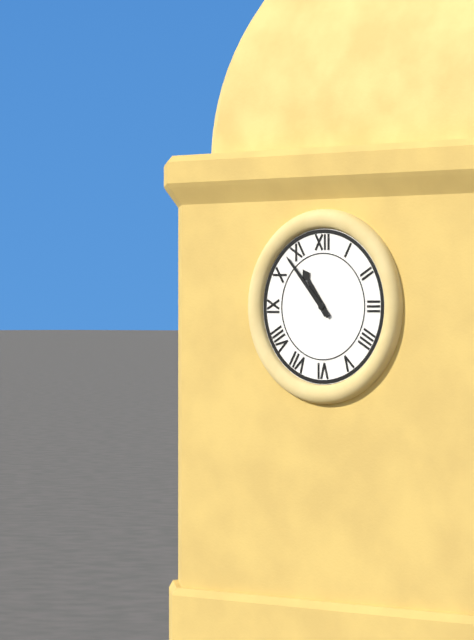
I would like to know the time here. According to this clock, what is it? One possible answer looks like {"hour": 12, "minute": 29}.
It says {"hour": 10, "minute": 53}
